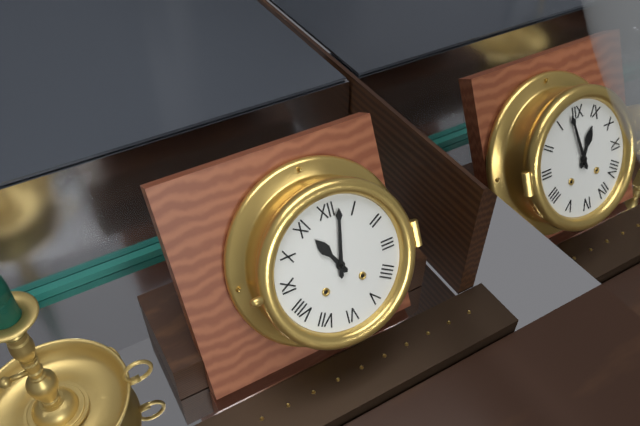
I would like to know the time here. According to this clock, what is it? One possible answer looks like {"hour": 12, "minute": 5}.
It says {"hour": 11, "minute": 2}
